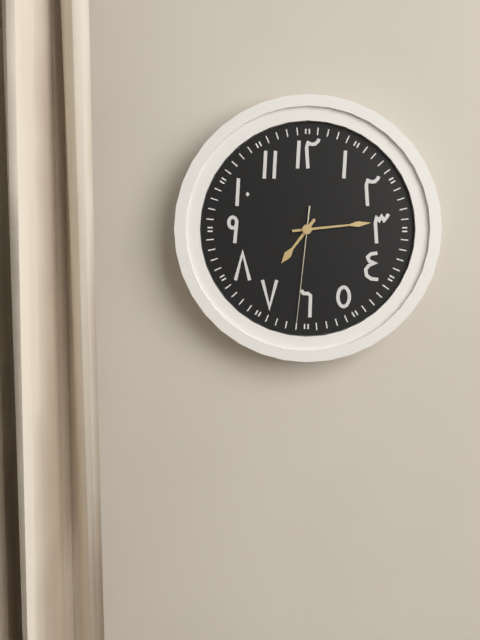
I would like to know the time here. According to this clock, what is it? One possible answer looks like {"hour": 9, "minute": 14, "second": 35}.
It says {"hour": 7, "minute": 14, "second": 31}
